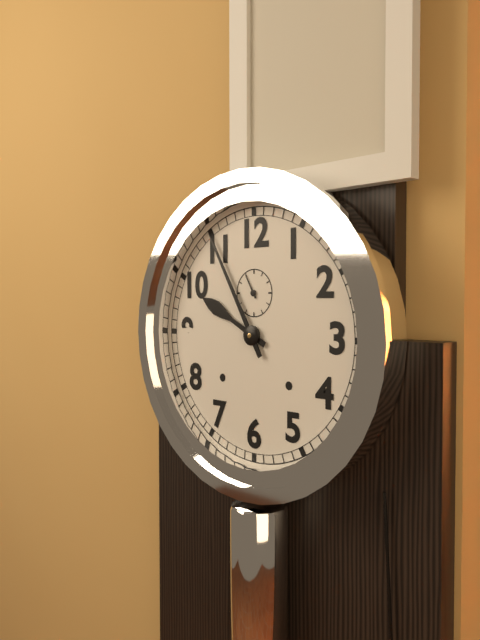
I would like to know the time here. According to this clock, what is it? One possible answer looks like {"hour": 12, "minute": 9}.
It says {"hour": 9, "minute": 55}
